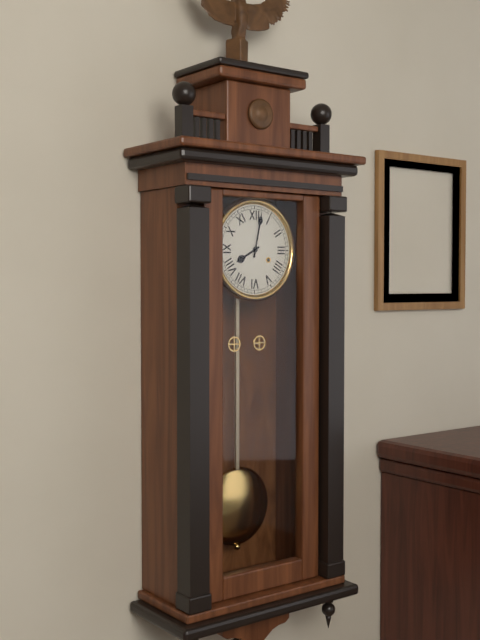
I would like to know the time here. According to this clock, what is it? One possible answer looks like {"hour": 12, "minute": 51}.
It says {"hour": 8, "minute": 2}
